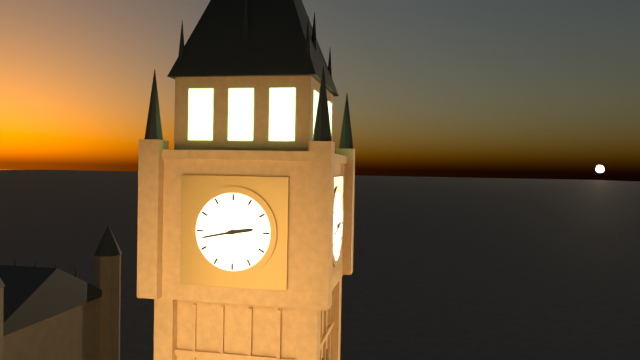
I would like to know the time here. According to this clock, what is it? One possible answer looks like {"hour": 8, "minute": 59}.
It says {"hour": 2, "minute": 43}
